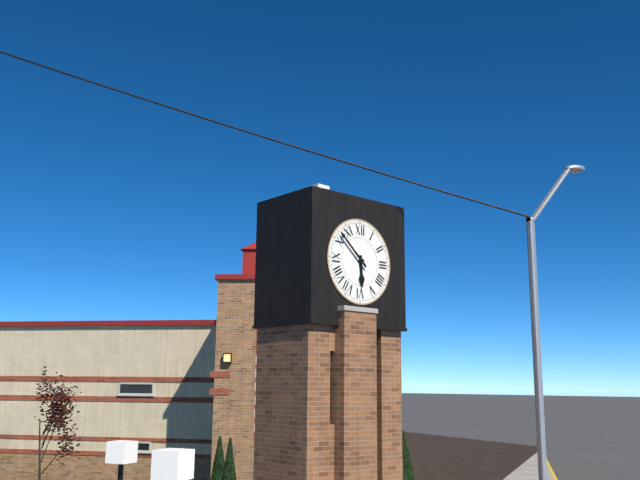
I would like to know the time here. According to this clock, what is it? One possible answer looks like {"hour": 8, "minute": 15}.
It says {"hour": 5, "minute": 52}
